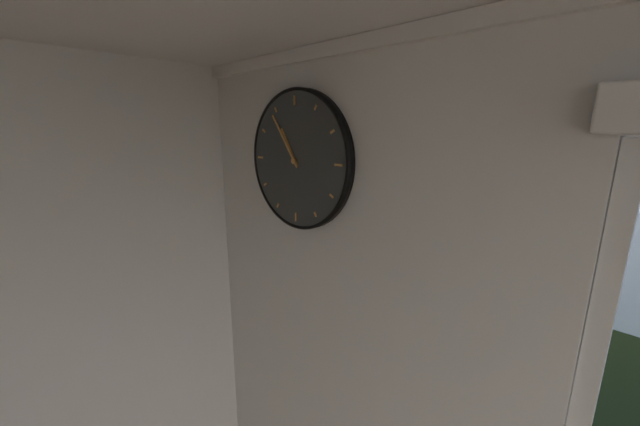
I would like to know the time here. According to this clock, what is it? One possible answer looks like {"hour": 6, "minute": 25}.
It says {"hour": 10, "minute": 54}
